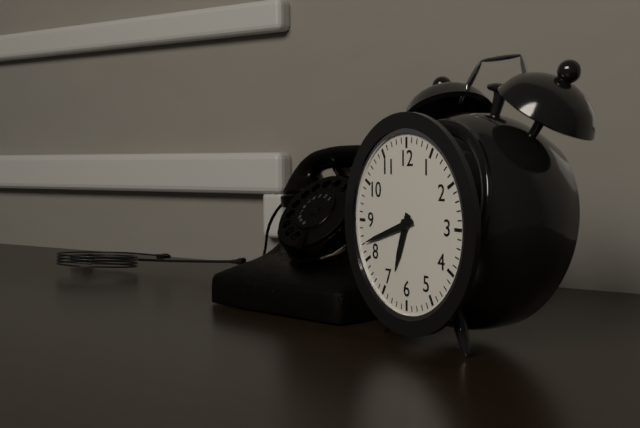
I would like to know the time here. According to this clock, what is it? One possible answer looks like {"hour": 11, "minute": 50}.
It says {"hour": 6, "minute": 42}
